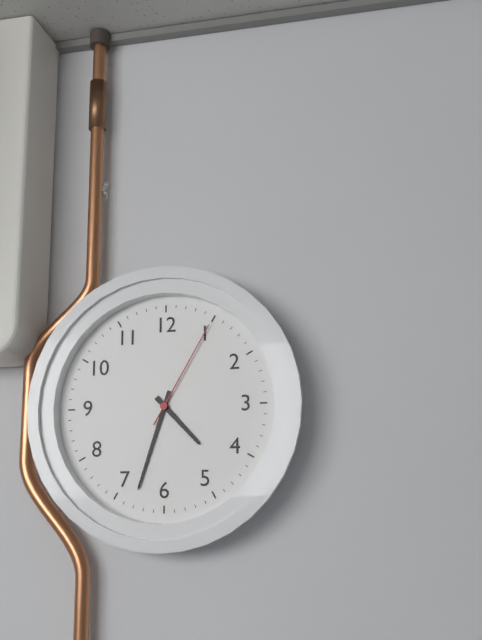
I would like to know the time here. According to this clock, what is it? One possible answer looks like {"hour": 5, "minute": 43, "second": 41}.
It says {"hour": 4, "minute": 33, "second": 5}
